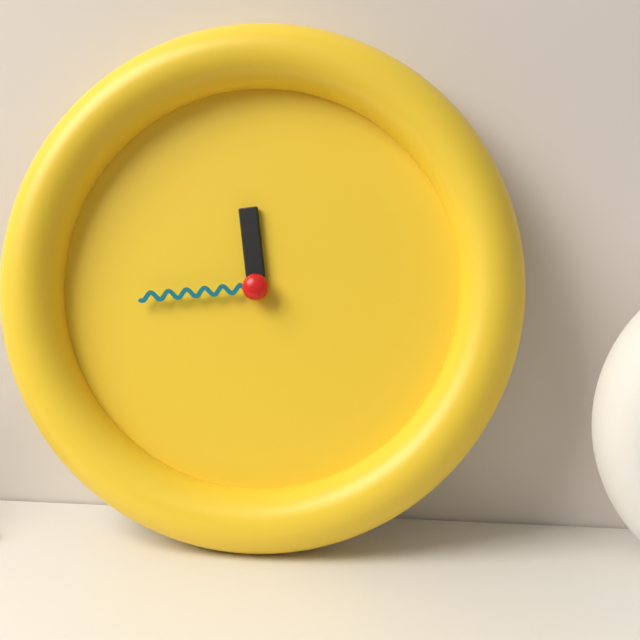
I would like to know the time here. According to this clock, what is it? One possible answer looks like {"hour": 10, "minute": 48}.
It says {"hour": 11, "minute": 44}
